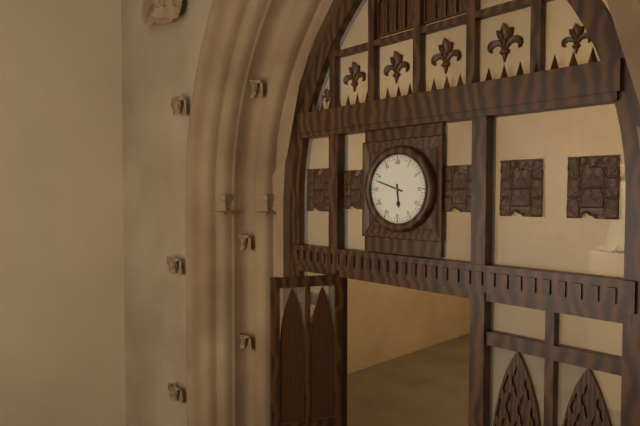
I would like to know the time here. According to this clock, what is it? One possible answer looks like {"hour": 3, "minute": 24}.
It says {"hour": 5, "minute": 48}
